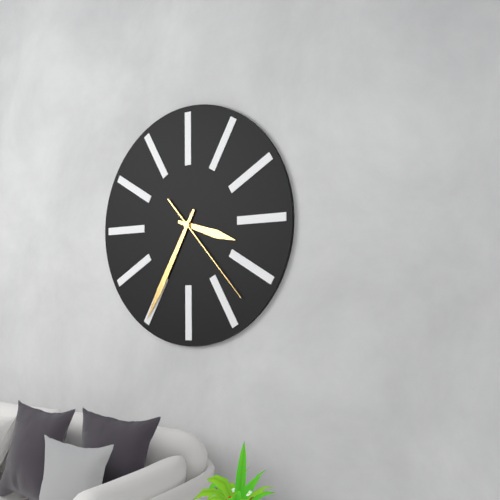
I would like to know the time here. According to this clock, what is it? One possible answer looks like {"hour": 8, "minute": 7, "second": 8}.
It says {"hour": 3, "minute": 35, "second": 23}
